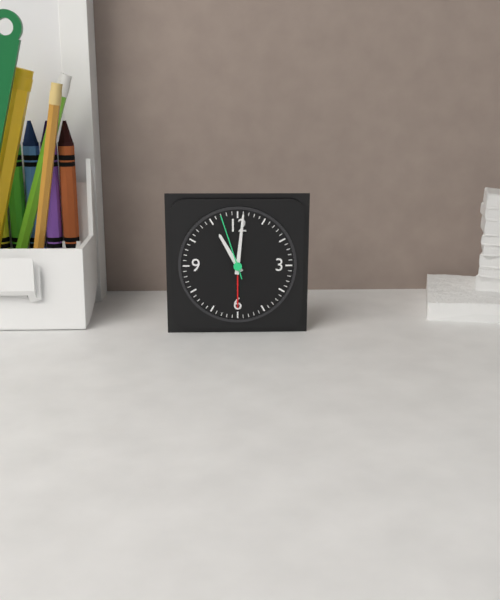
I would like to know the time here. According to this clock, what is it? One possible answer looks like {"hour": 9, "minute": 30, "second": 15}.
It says {"hour": 11, "minute": 1, "second": 57}
